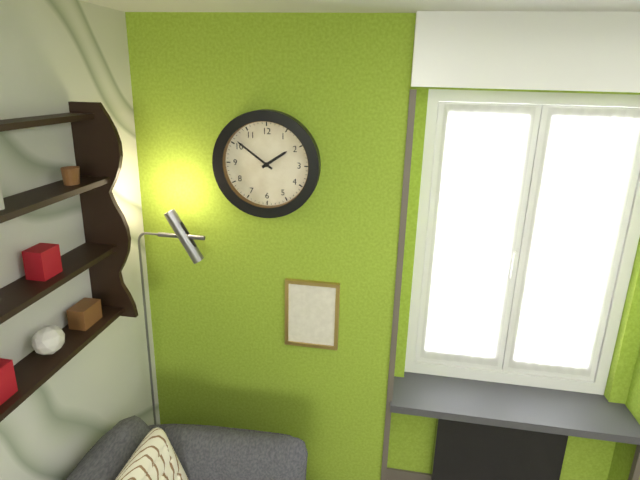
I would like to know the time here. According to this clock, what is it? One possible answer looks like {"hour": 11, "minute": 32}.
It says {"hour": 1, "minute": 51}
